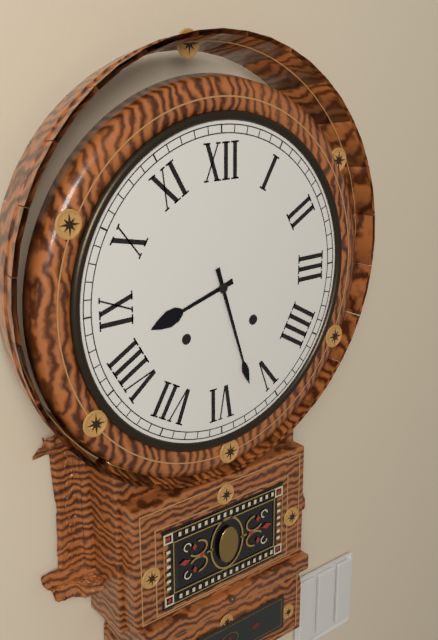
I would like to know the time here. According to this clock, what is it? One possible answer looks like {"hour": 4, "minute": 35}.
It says {"hour": 8, "minute": 27}
